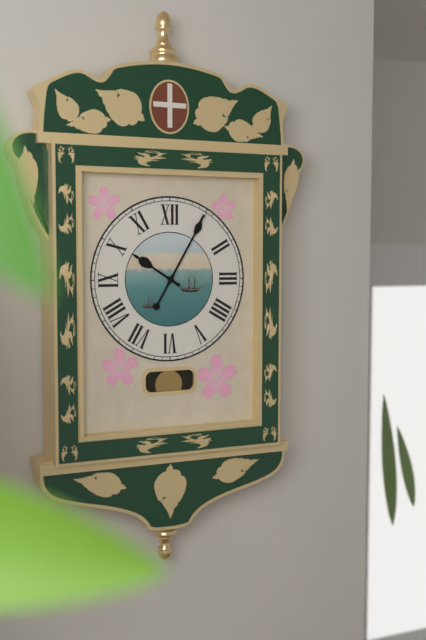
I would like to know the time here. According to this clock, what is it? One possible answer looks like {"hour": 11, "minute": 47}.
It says {"hour": 10, "minute": 5}
